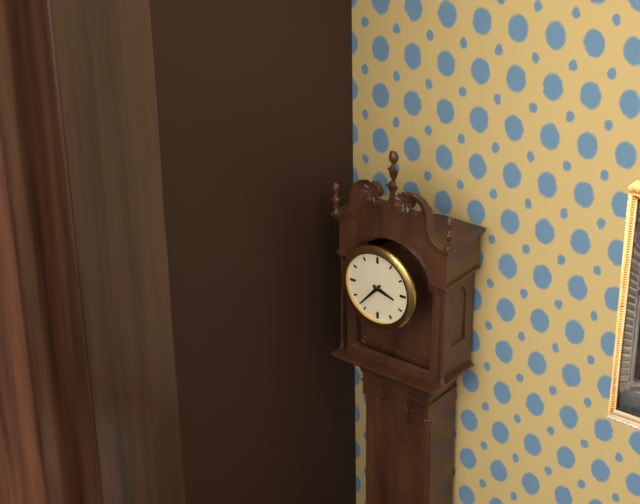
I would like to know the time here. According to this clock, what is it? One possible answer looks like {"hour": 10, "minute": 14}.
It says {"hour": 3, "minute": 37}
